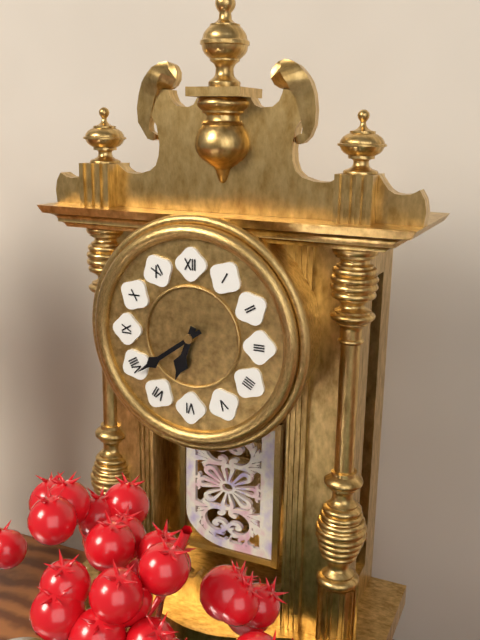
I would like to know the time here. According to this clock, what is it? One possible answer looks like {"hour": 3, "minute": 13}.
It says {"hour": 6, "minute": 39}
